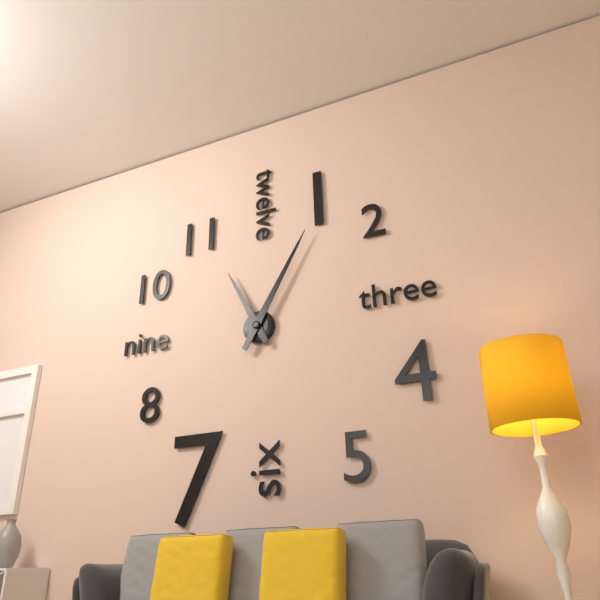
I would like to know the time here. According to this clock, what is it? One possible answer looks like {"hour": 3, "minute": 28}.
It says {"hour": 11, "minute": 5}
